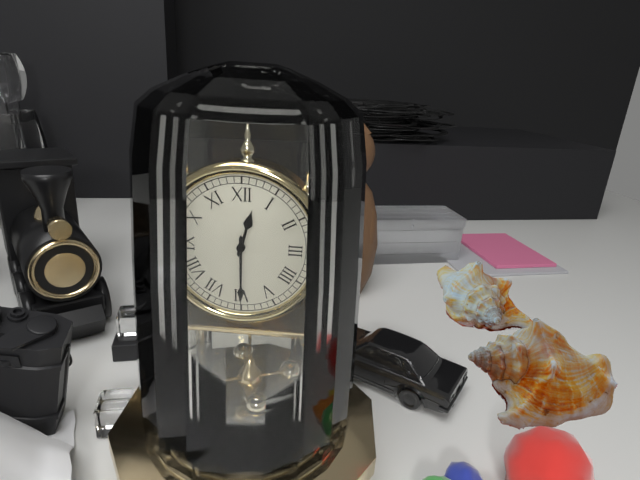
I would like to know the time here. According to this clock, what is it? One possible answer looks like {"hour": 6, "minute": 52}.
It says {"hour": 12, "minute": 30}
